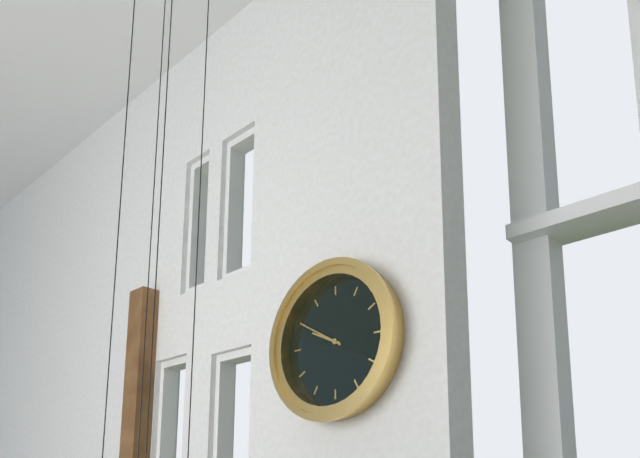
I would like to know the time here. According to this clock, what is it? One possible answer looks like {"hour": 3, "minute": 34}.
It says {"hour": 9, "minute": 50}
